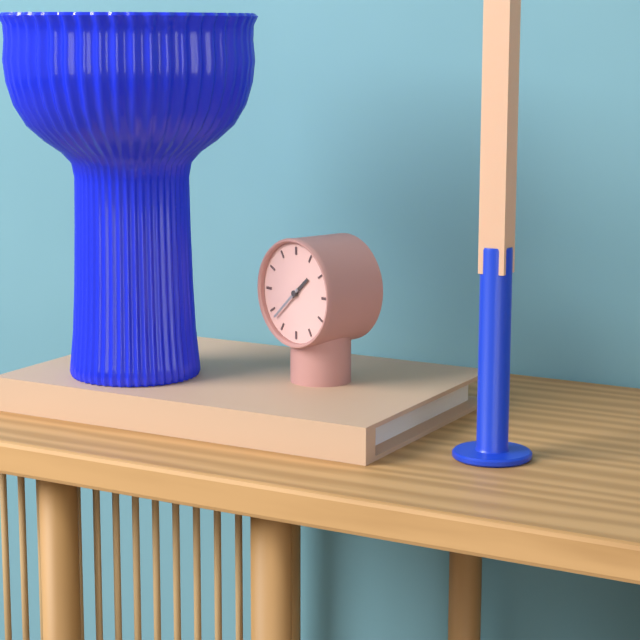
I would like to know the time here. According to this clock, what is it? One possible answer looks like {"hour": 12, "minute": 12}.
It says {"hour": 1, "minute": 38}
